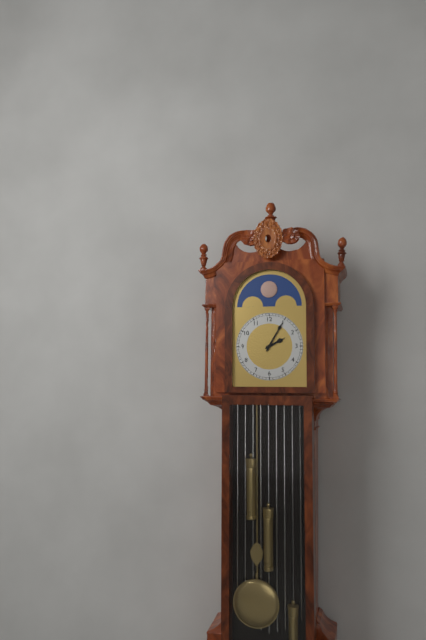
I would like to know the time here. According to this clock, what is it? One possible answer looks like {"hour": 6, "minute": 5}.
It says {"hour": 2, "minute": 5}
